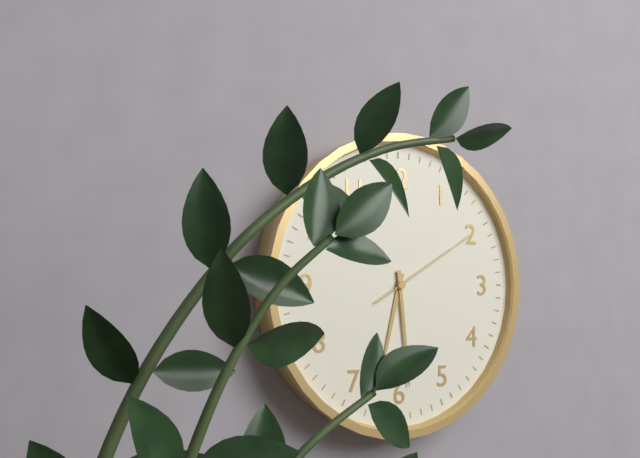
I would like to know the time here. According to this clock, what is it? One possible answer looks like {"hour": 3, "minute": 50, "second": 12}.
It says {"hour": 6, "minute": 29, "second": 10}
